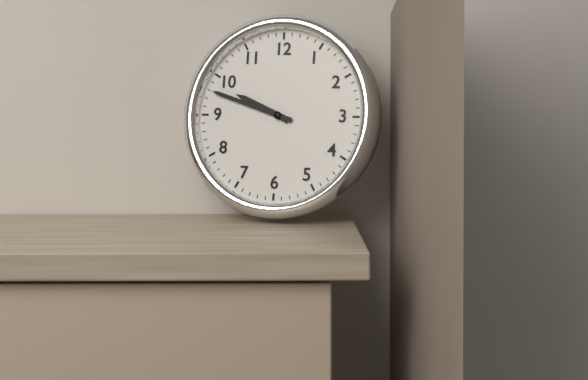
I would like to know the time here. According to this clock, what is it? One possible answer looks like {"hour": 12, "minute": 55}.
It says {"hour": 9, "minute": 48}
